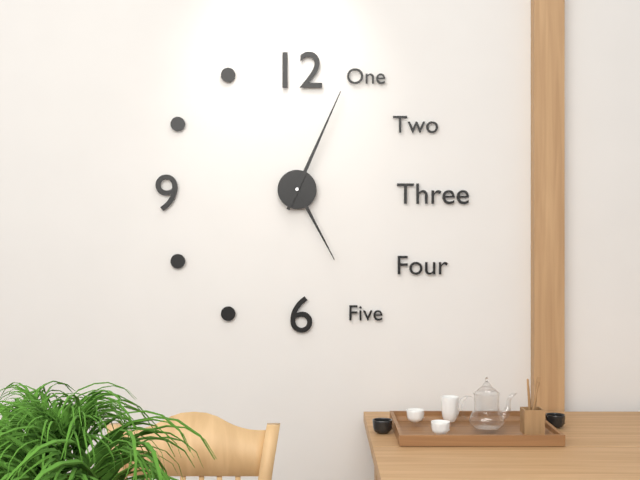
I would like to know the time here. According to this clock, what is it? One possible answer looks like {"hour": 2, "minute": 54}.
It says {"hour": 5, "minute": 4}
